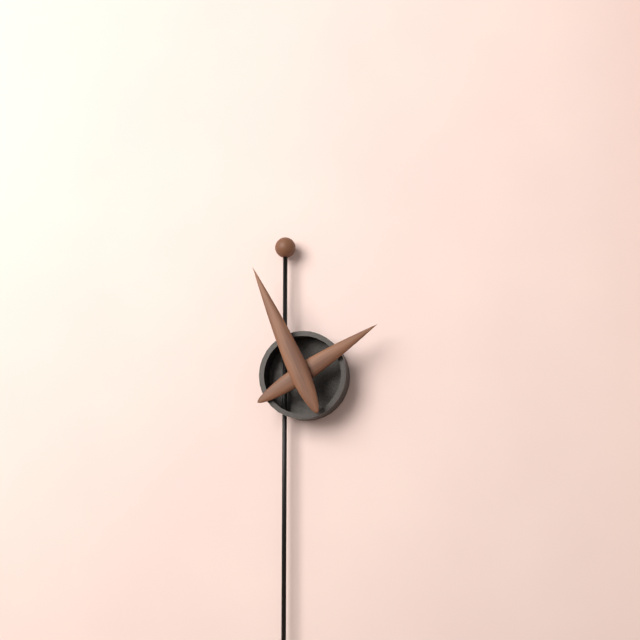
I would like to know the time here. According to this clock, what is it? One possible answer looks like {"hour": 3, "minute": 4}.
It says {"hour": 1, "minute": 56}
